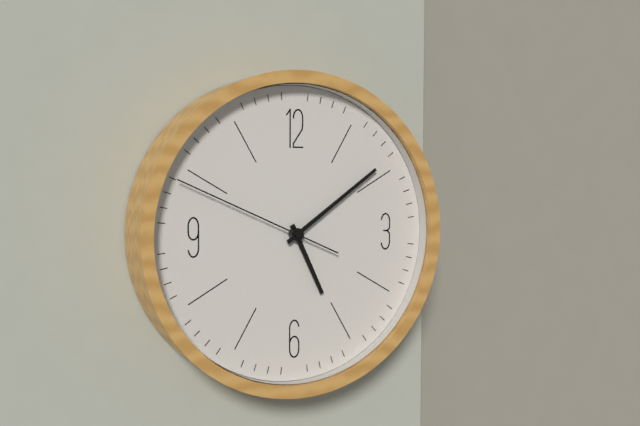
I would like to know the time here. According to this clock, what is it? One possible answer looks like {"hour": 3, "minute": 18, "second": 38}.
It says {"hour": 5, "minute": 9, "second": 49}
